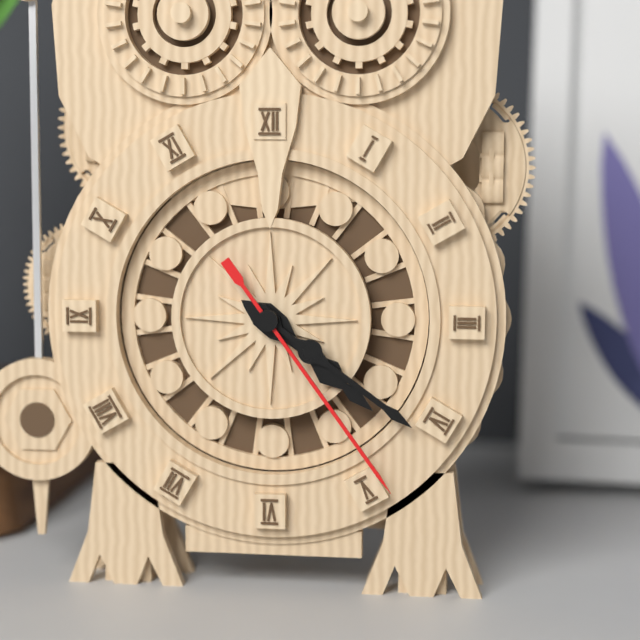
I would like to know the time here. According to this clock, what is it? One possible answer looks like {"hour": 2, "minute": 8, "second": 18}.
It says {"hour": 4, "minute": 21, "second": 24}
